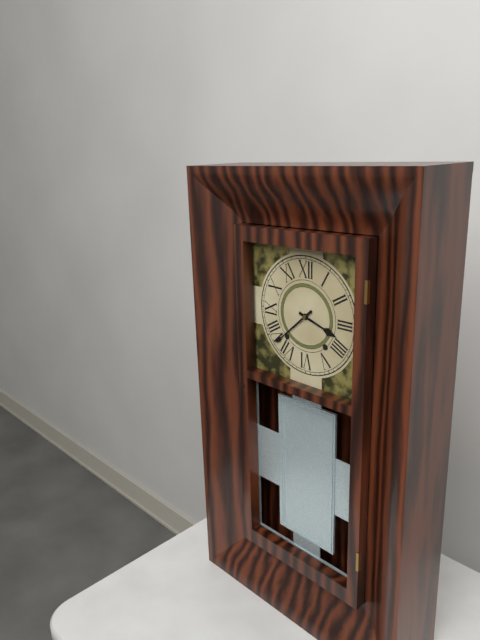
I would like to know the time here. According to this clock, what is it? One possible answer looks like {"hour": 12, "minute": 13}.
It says {"hour": 3, "minute": 38}
